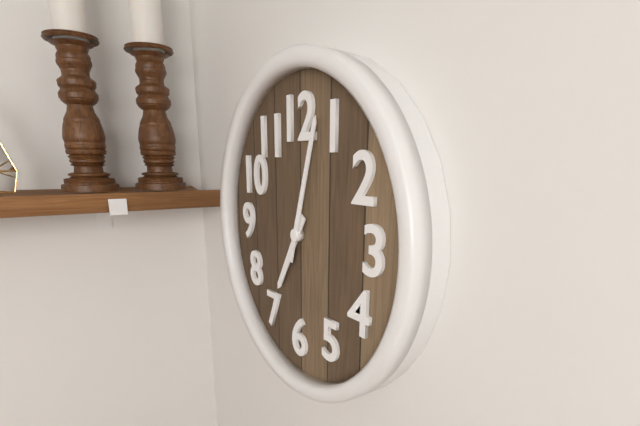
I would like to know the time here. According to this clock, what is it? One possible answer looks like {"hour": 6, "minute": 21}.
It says {"hour": 7, "minute": 3}
